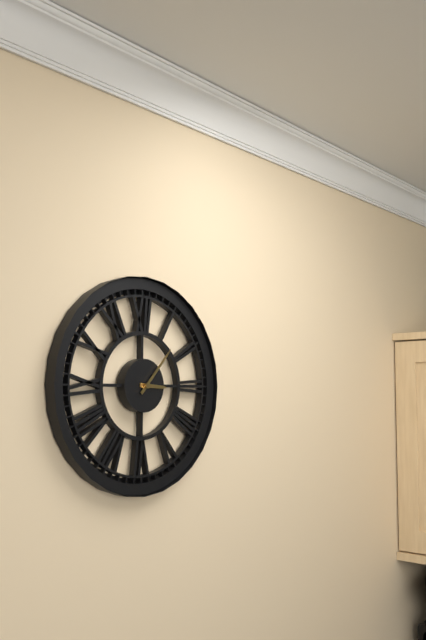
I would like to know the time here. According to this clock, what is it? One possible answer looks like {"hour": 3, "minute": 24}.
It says {"hour": 3, "minute": 7}
